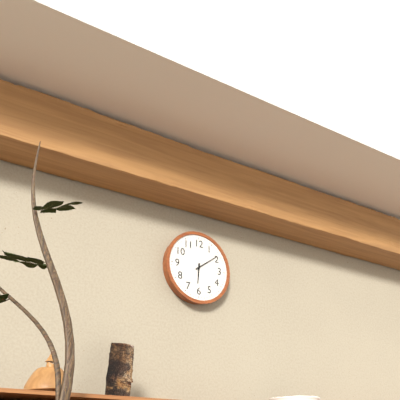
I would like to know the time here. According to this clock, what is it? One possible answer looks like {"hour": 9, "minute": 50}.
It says {"hour": 6, "minute": 9}
